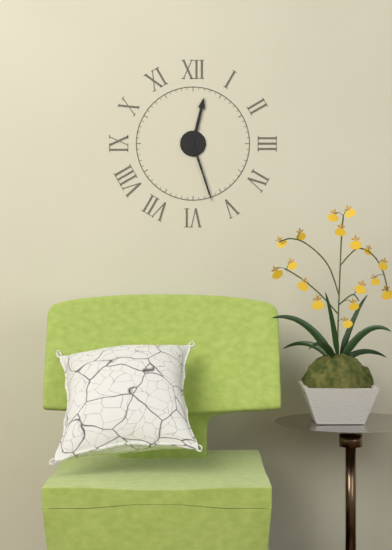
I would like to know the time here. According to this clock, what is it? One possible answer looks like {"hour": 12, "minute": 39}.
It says {"hour": 12, "minute": 27}
